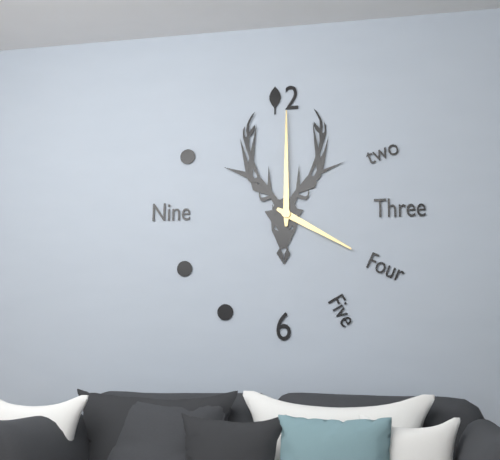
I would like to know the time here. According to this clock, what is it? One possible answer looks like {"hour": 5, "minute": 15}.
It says {"hour": 4, "minute": 0}
